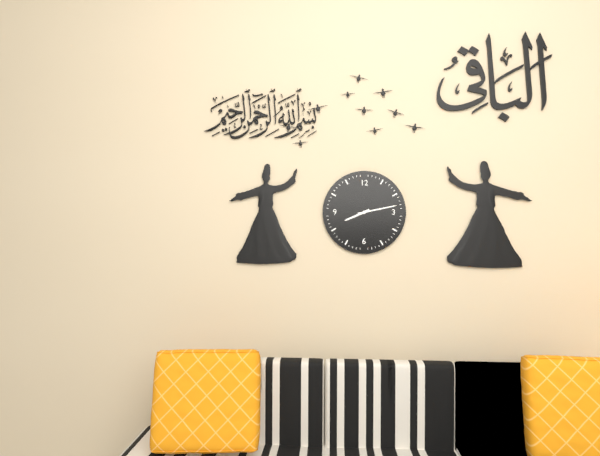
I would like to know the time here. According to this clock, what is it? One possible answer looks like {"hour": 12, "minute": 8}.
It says {"hour": 8, "minute": 13}
